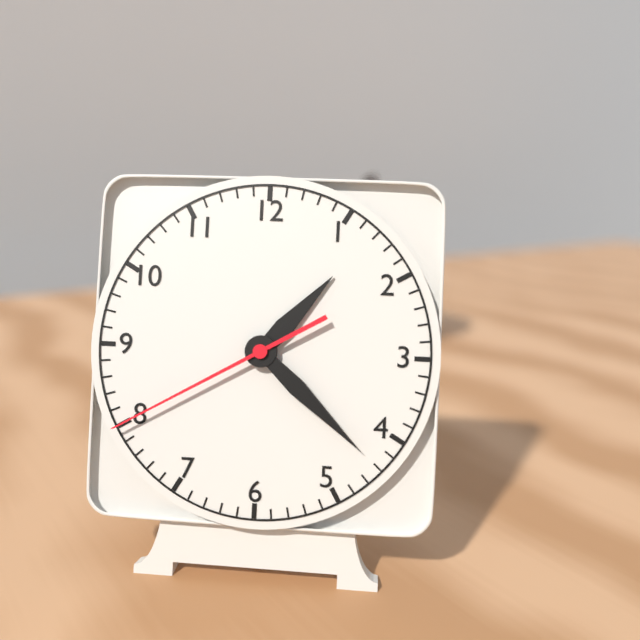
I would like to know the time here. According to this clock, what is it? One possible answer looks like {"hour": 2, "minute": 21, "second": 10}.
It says {"hour": 1, "minute": 22, "second": 40}
